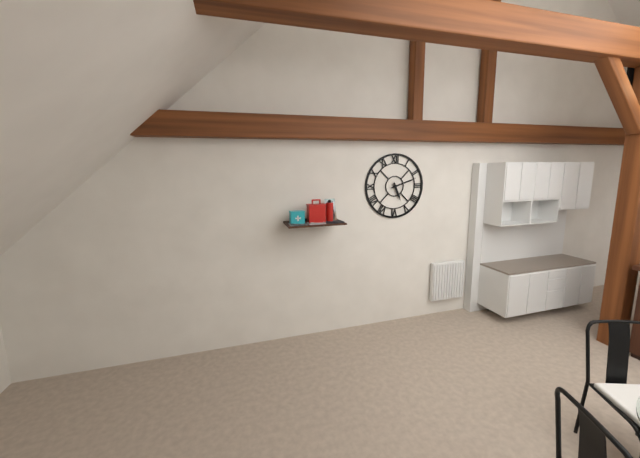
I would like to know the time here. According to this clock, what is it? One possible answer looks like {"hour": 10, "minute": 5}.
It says {"hour": 5, "minute": 12}
